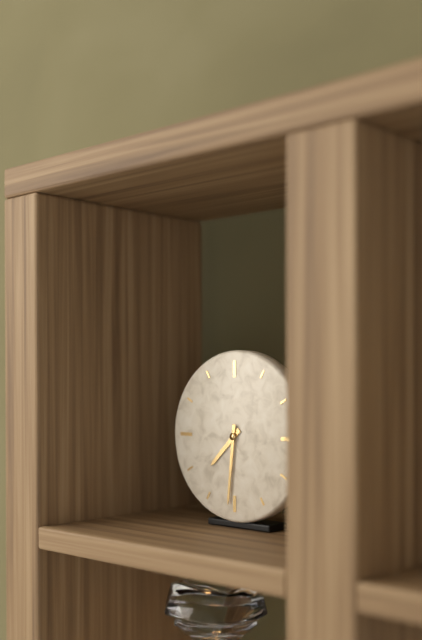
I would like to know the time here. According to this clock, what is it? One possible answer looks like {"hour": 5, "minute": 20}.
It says {"hour": 7, "minute": 31}
